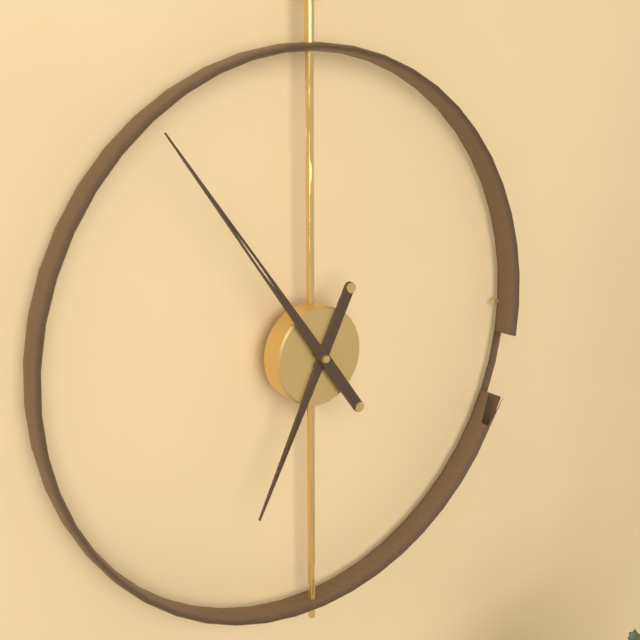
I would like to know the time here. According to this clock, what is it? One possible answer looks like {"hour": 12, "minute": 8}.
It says {"hour": 6, "minute": 54}
